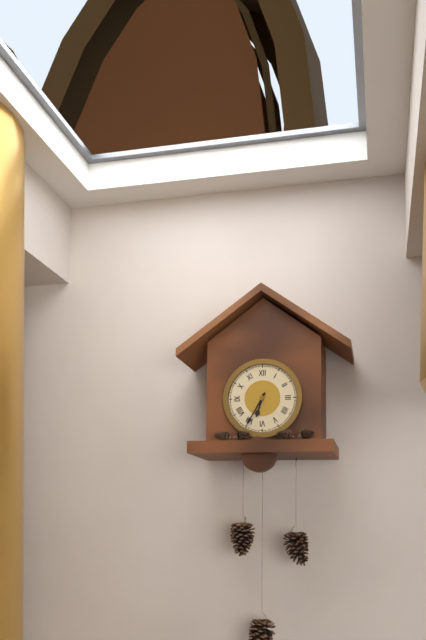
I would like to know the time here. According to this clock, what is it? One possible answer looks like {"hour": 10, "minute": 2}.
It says {"hour": 6, "minute": 35}
